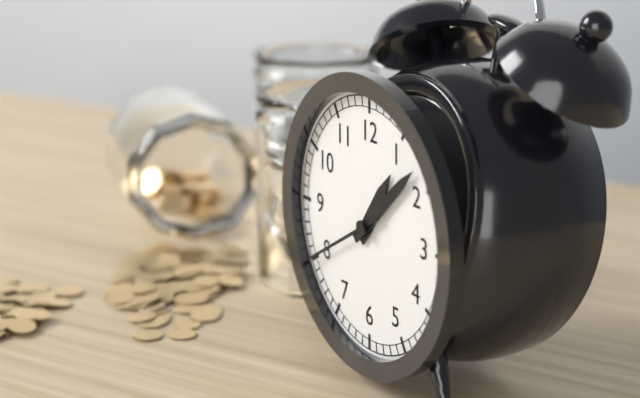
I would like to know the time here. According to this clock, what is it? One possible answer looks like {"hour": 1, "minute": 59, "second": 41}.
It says {"hour": 1, "minute": 8, "second": 40}
